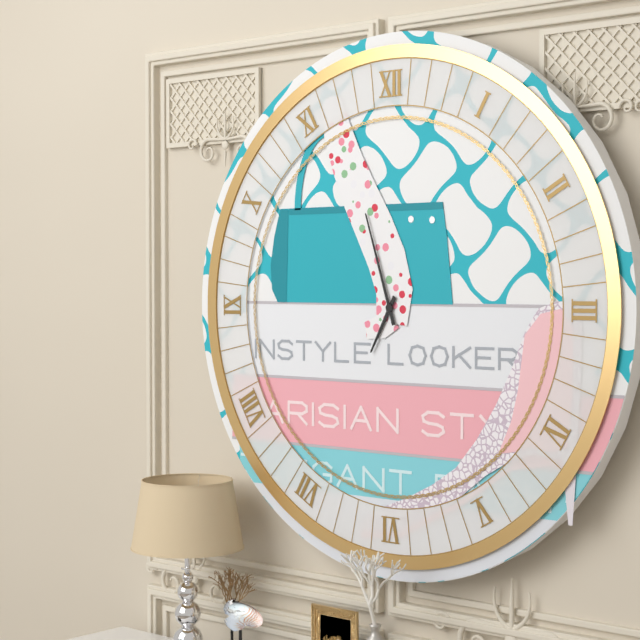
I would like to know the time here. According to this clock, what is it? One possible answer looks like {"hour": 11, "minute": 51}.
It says {"hour": 6, "minute": 57}
